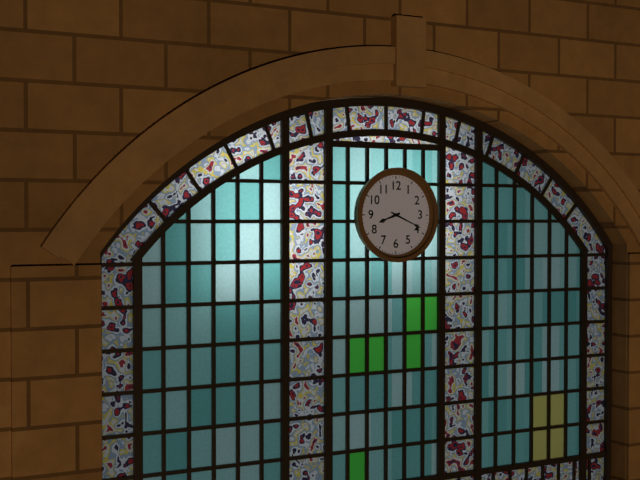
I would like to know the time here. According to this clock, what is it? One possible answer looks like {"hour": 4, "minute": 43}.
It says {"hour": 8, "minute": 19}
